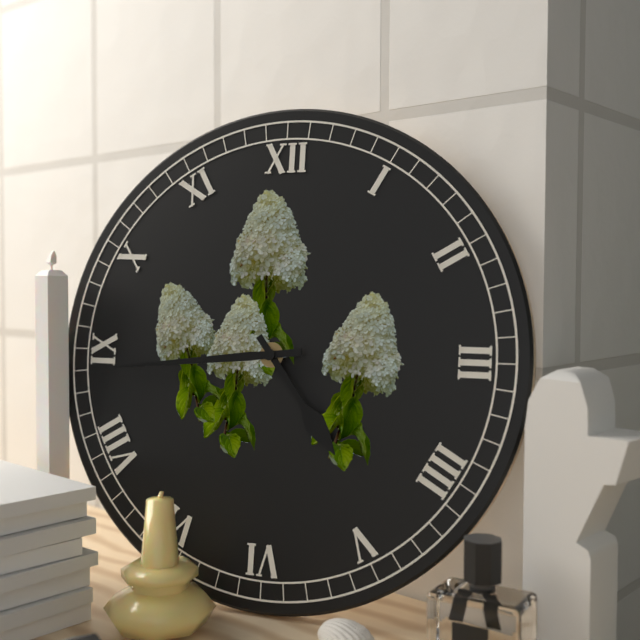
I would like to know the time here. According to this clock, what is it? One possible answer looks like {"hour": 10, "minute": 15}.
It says {"hour": 4, "minute": 44}
